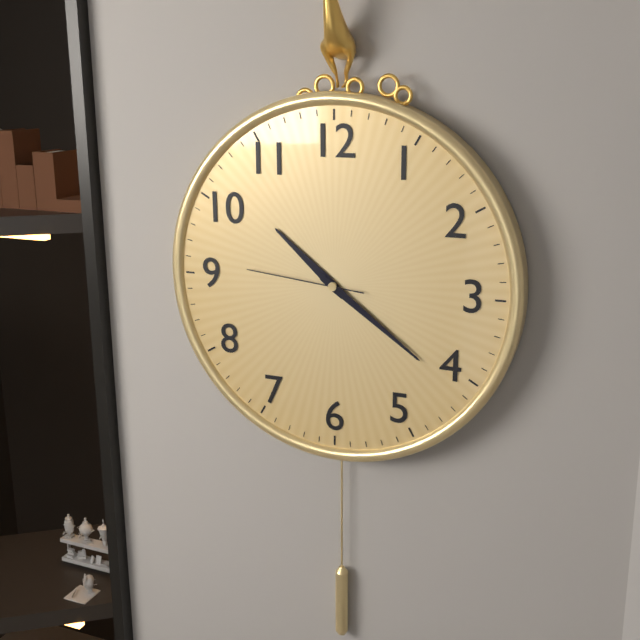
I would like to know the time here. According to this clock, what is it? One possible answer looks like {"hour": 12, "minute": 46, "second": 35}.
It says {"hour": 10, "minute": 21, "second": 46}
